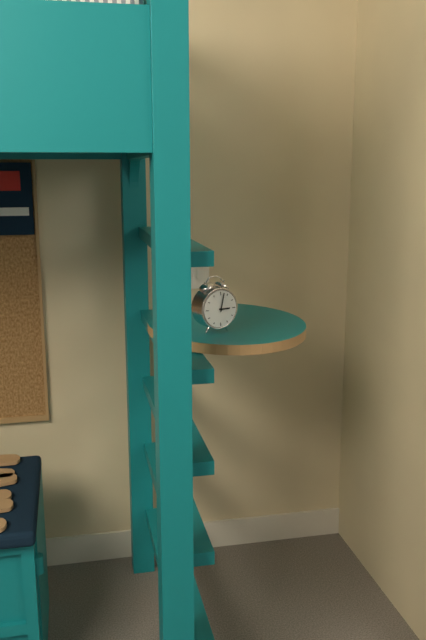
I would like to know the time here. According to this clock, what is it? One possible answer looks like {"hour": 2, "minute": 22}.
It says {"hour": 3, "minute": 2}
